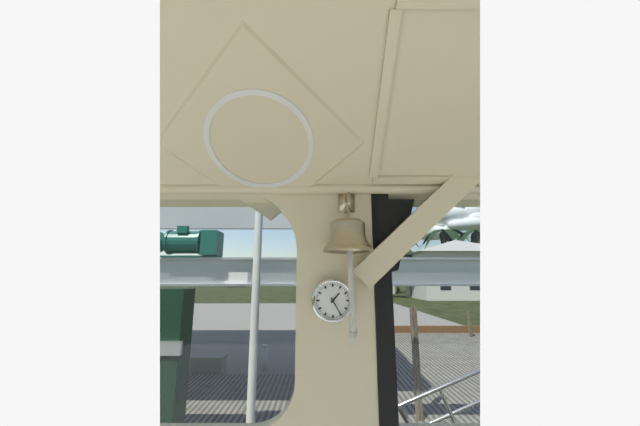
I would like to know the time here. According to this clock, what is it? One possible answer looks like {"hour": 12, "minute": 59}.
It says {"hour": 1, "minute": 25}
